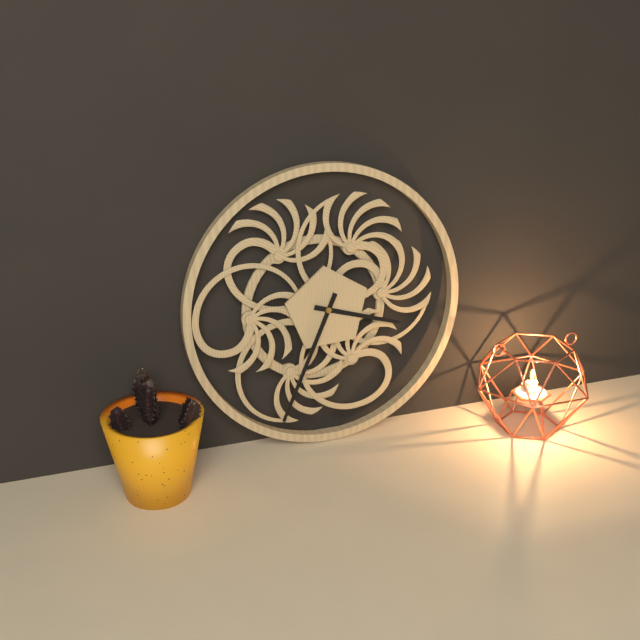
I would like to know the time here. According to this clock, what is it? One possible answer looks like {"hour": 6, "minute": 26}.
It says {"hour": 3, "minute": 34}
